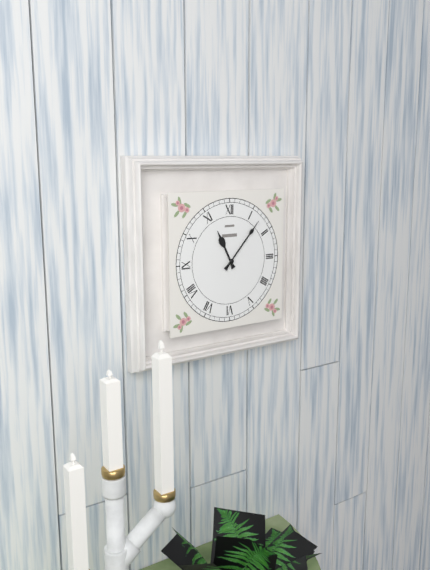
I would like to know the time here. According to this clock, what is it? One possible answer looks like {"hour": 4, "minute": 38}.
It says {"hour": 11, "minute": 7}
